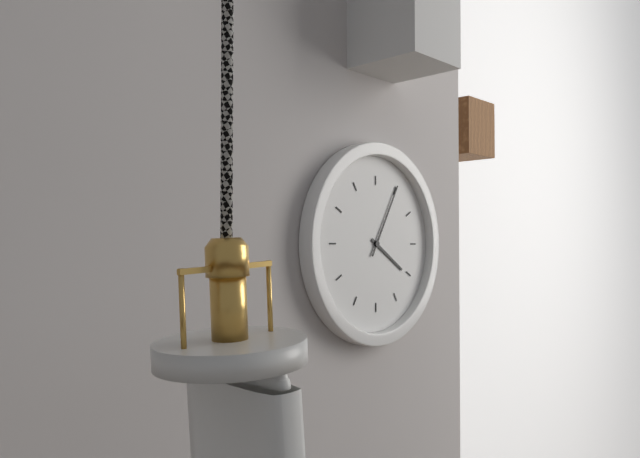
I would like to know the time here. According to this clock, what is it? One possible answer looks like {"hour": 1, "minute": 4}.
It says {"hour": 4, "minute": 5}
